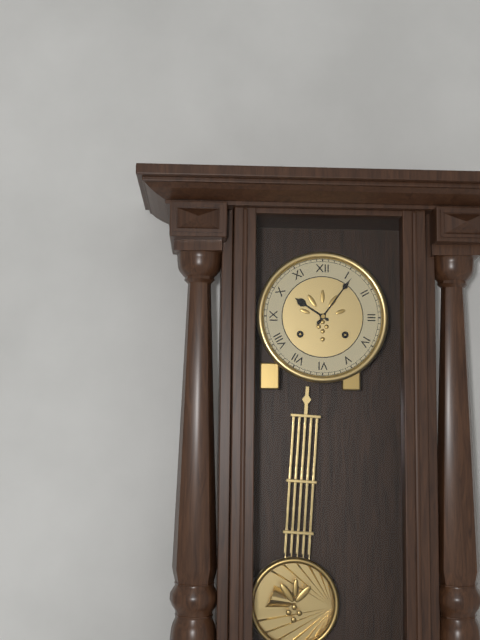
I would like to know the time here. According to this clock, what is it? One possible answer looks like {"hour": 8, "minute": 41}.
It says {"hour": 10, "minute": 6}
